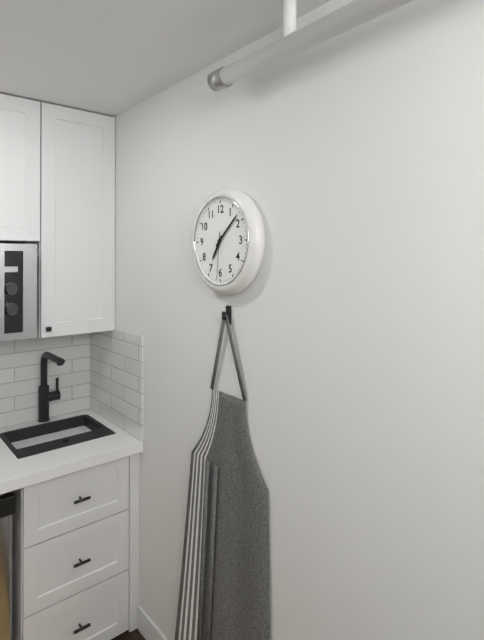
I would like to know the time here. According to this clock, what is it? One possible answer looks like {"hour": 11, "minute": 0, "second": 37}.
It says {"hour": 7, "minute": 8, "second": 31}
